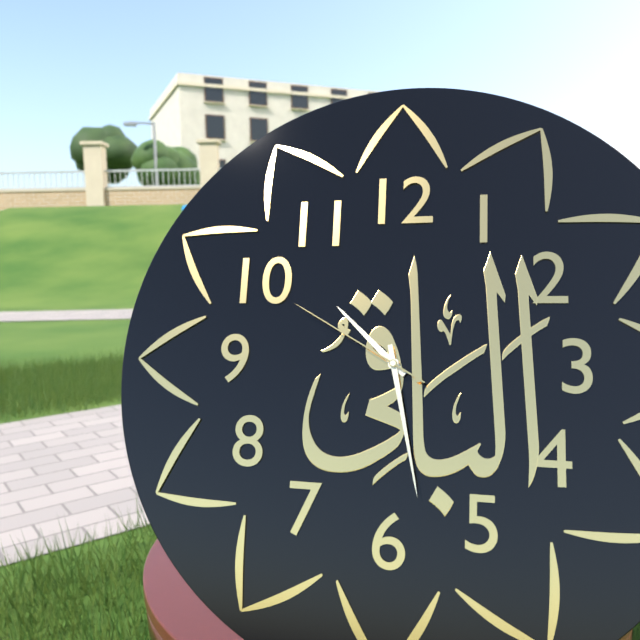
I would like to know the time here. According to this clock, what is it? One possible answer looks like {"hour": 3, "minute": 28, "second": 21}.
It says {"hour": 10, "minute": 28, "second": 50}
